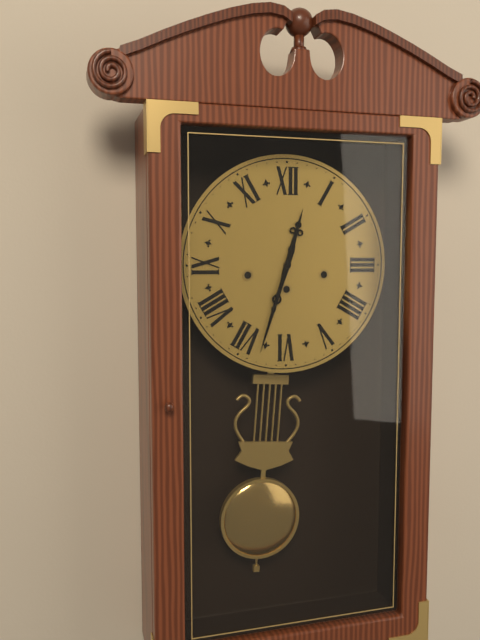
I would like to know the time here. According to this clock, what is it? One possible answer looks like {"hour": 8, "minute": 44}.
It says {"hour": 12, "minute": 33}
